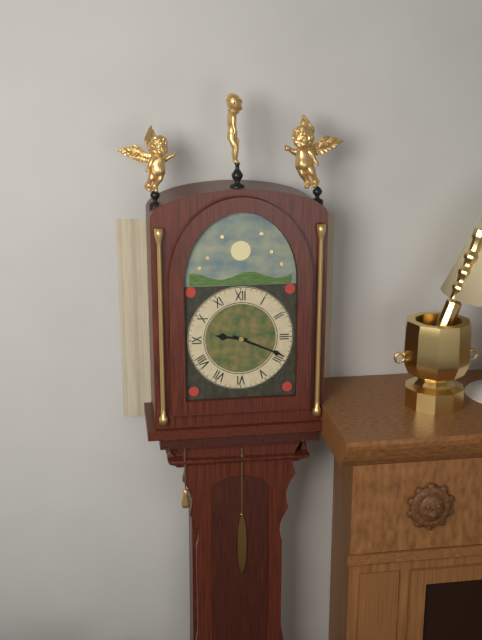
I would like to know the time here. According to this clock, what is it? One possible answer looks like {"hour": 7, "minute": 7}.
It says {"hour": 9, "minute": 19}
